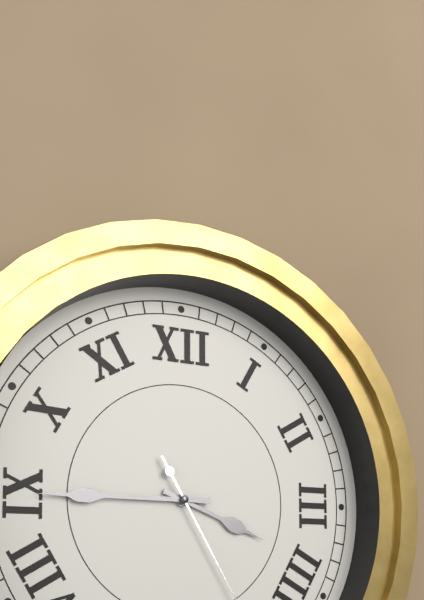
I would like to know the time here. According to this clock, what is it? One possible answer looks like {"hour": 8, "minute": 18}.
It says {"hour": 3, "minute": 45}
